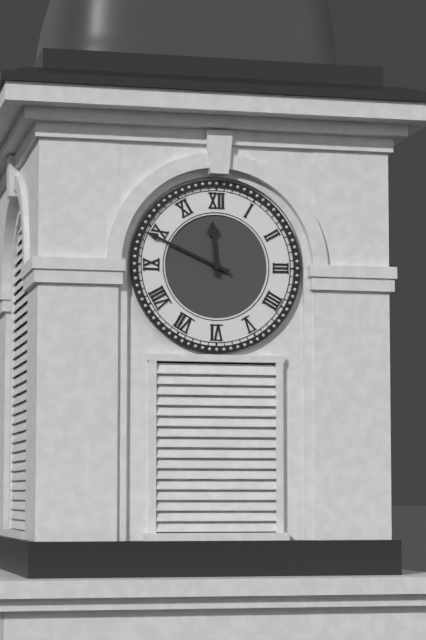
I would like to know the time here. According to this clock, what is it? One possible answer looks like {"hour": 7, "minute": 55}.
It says {"hour": 11, "minute": 49}
